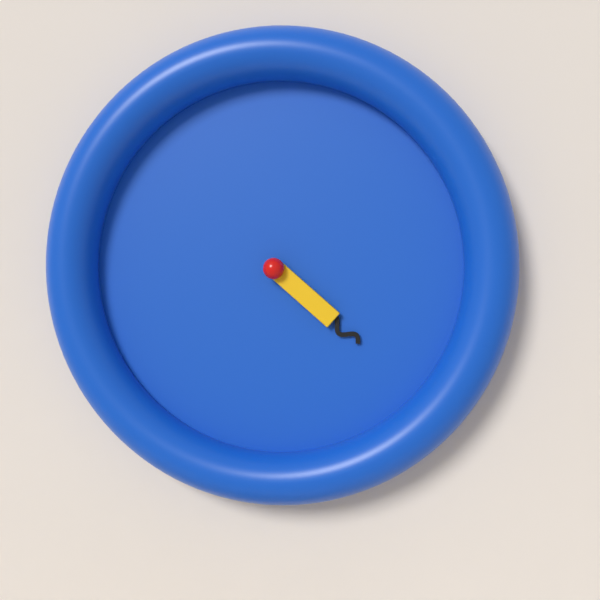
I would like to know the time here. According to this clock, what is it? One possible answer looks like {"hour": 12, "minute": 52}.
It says {"hour": 4, "minute": 22}
